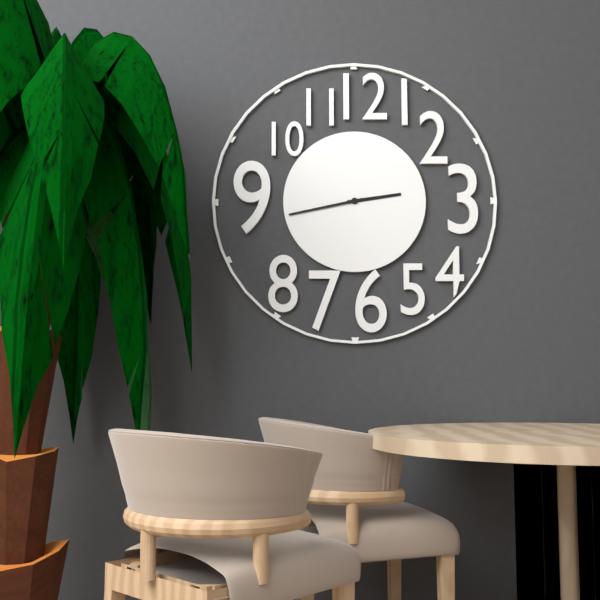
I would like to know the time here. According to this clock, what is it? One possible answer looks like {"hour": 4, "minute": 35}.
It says {"hour": 2, "minute": 43}
